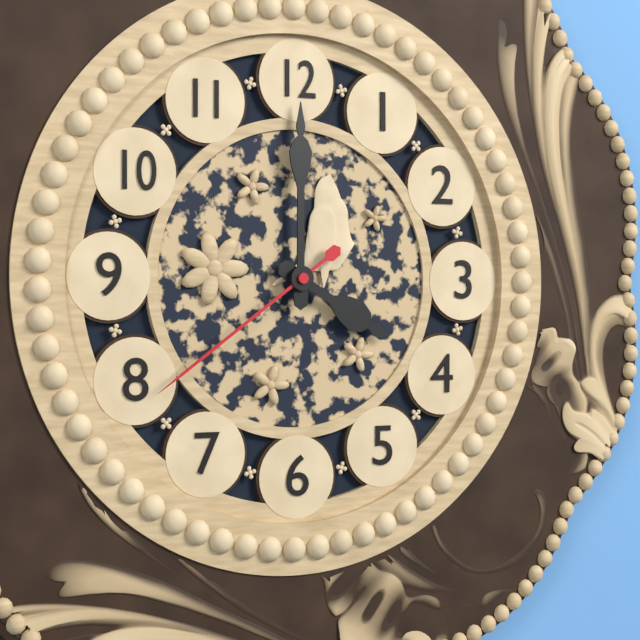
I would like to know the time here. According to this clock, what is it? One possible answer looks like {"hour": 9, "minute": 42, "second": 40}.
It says {"hour": 4, "minute": 0, "second": 39}
